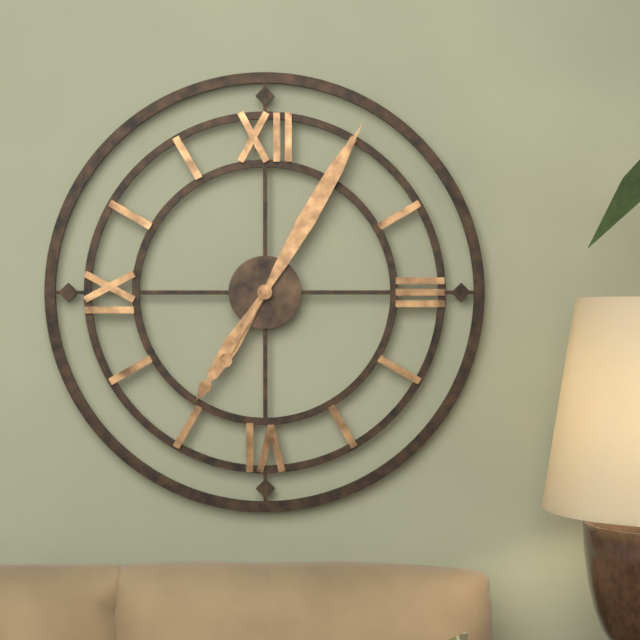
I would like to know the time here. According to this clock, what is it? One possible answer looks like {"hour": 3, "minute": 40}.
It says {"hour": 7, "minute": 5}
